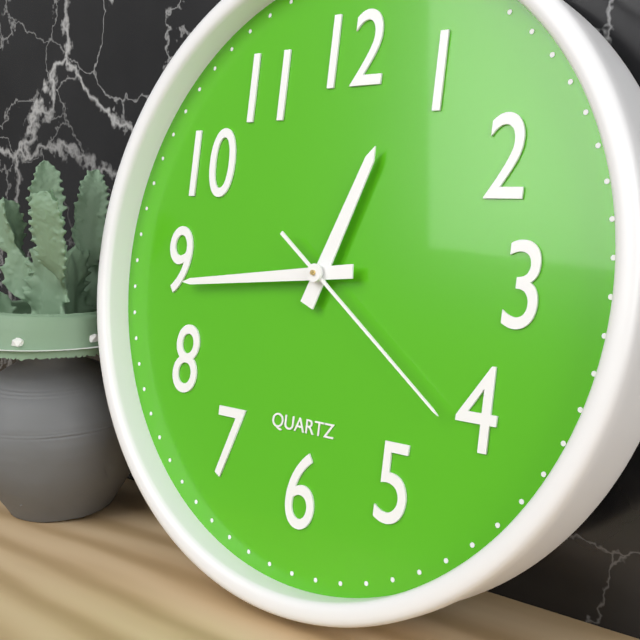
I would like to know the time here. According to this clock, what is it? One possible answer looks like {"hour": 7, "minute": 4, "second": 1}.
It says {"hour": 12, "minute": 44, "second": 21}
